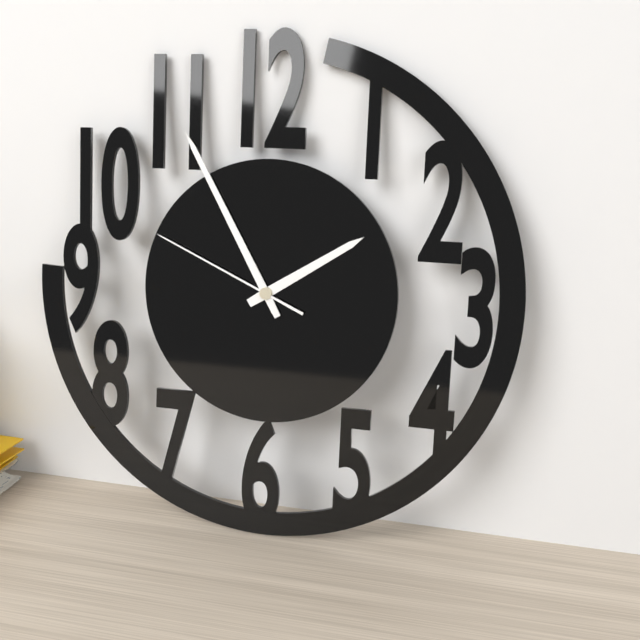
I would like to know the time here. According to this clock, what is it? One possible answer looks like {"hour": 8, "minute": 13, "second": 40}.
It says {"hour": 1, "minute": 55, "second": 49}
